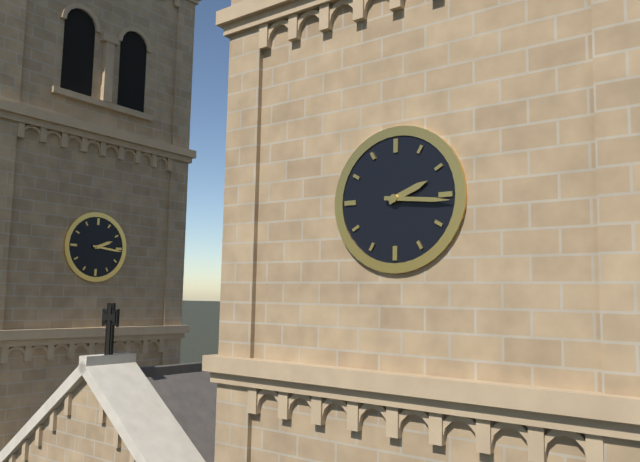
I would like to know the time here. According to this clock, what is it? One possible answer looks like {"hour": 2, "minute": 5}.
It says {"hour": 2, "minute": 16}
